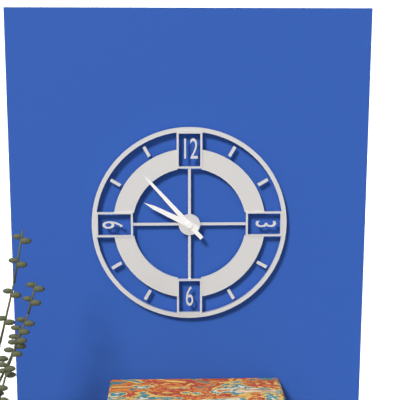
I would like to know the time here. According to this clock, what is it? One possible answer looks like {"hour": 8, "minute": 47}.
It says {"hour": 9, "minute": 53}
